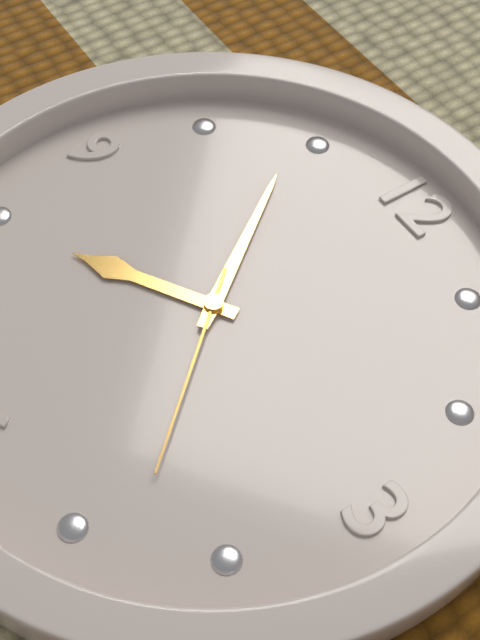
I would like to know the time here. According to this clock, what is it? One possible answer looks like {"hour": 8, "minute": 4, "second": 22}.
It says {"hour": 7, "minute": 54, "second": 23}
